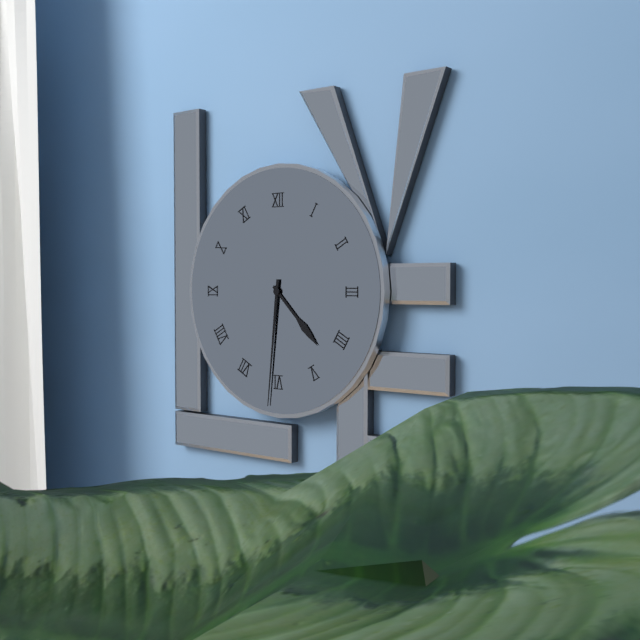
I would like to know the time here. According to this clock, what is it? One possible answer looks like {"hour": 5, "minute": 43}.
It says {"hour": 4, "minute": 31}
